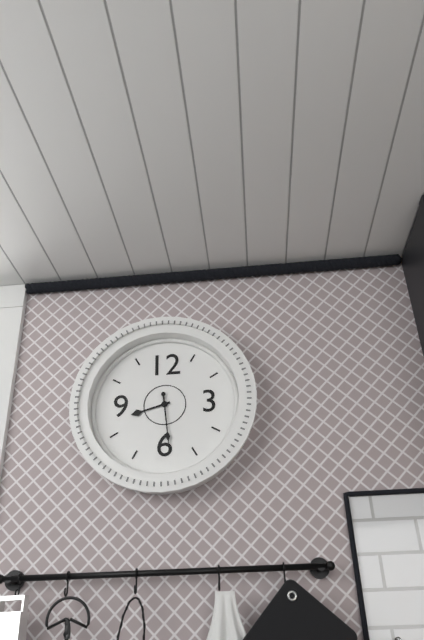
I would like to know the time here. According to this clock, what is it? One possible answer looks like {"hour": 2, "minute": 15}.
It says {"hour": 8, "minute": 29}
